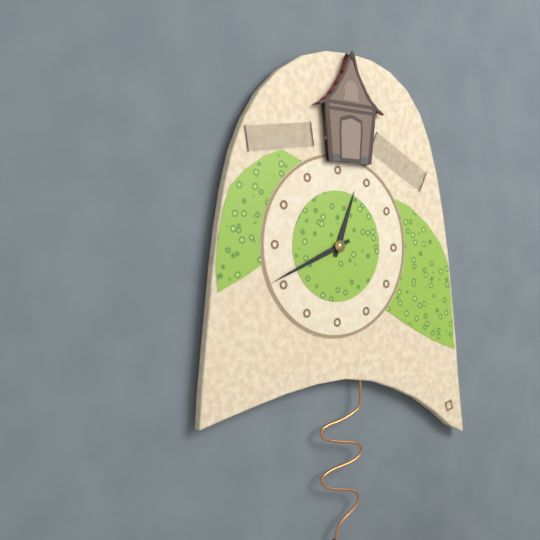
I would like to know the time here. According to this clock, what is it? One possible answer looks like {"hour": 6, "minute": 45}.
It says {"hour": 12, "minute": 41}
